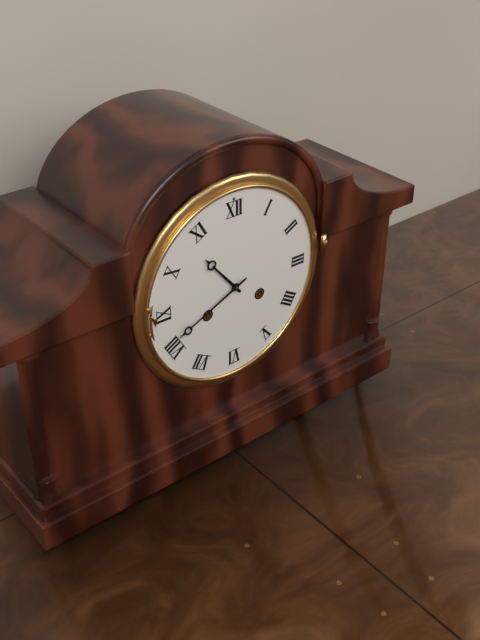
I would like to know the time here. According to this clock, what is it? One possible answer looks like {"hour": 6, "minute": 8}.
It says {"hour": 10, "minute": 41}
